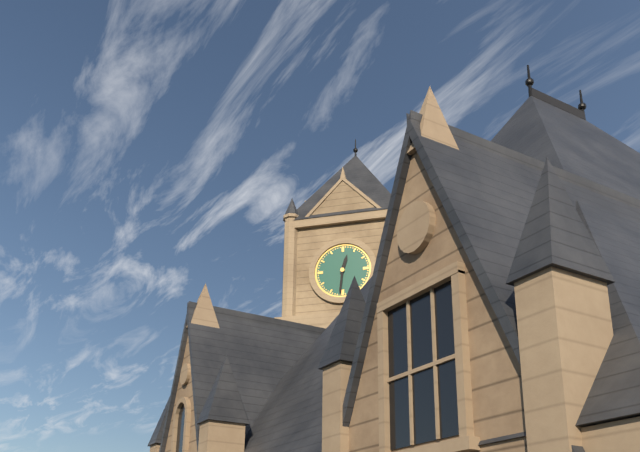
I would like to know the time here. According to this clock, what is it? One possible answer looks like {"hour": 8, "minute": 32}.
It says {"hour": 12, "minute": 31}
